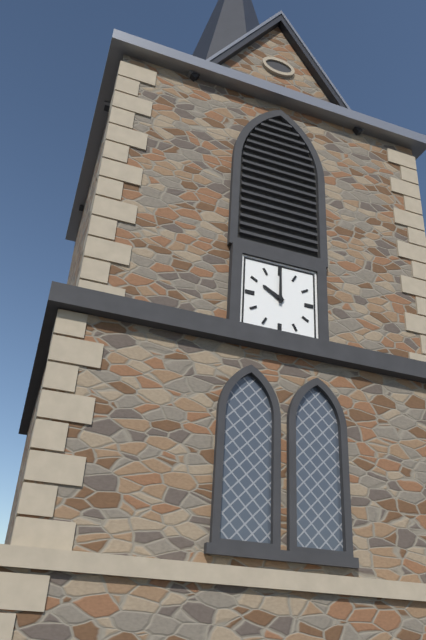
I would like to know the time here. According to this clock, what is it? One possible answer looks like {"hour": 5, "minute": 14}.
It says {"hour": 10, "minute": 0}
